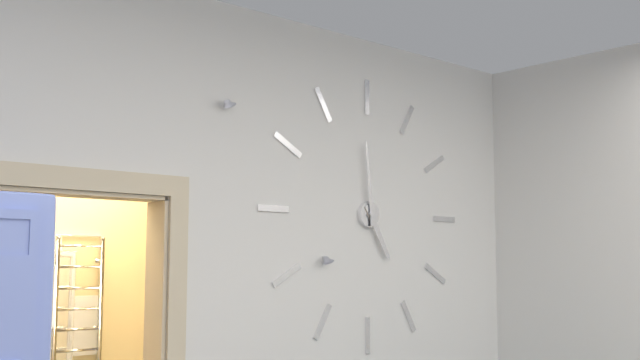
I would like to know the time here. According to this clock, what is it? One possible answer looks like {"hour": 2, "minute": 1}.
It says {"hour": 4, "minute": 59}
